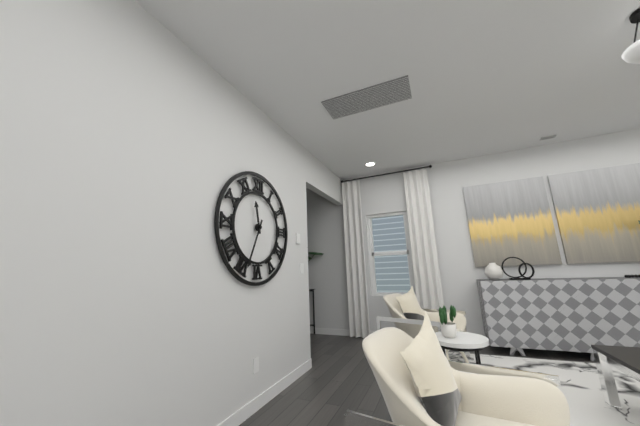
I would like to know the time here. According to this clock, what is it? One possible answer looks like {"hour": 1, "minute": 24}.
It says {"hour": 11, "minute": 34}
